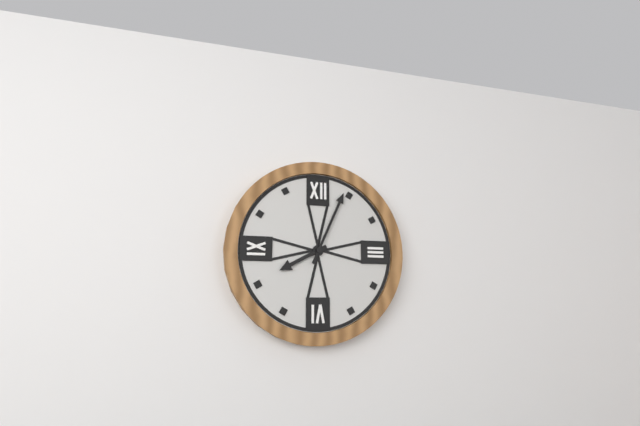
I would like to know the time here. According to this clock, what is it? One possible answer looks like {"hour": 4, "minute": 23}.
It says {"hour": 8, "minute": 4}
